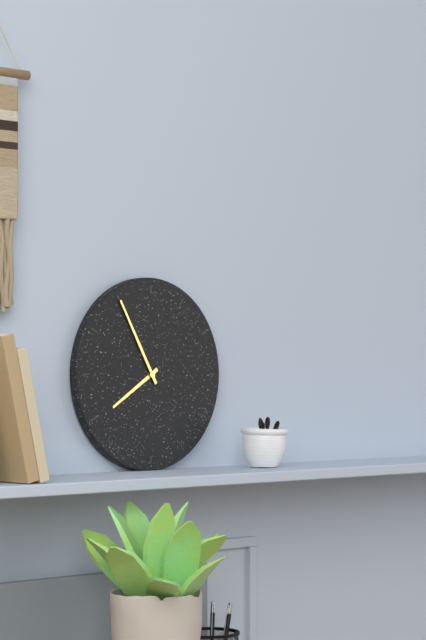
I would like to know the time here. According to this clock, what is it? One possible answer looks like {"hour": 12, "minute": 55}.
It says {"hour": 7, "minute": 55}
